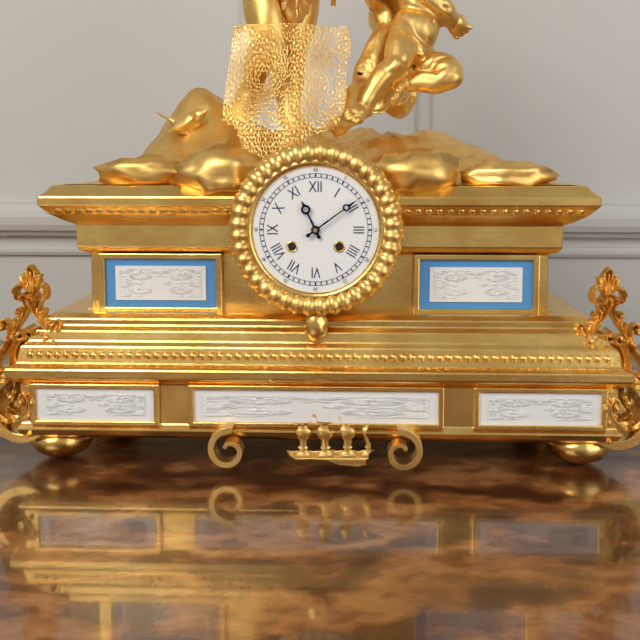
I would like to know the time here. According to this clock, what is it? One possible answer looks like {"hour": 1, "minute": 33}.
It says {"hour": 11, "minute": 9}
